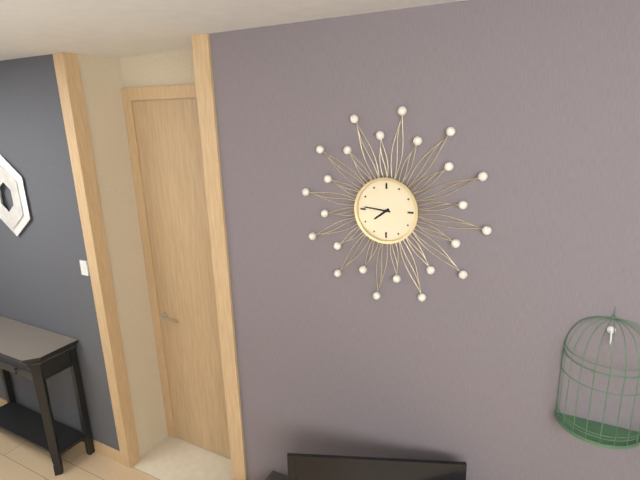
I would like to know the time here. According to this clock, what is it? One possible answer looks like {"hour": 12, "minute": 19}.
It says {"hour": 7, "minute": 46}
